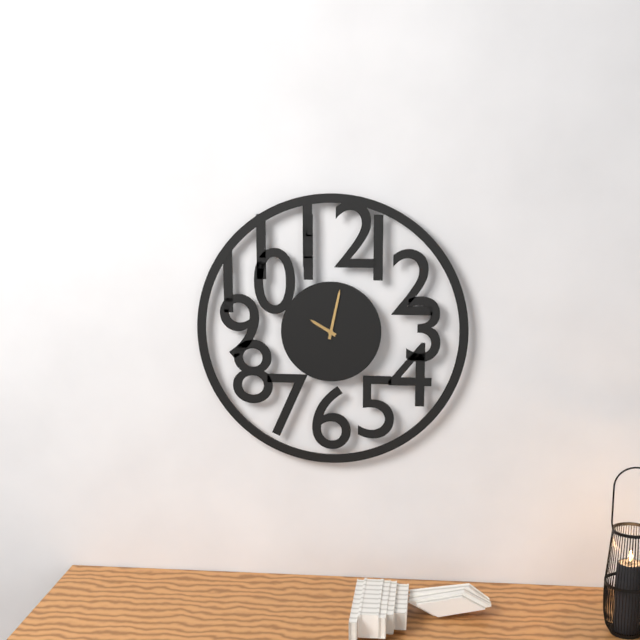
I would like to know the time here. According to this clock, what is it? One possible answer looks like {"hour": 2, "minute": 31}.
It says {"hour": 10, "minute": 2}
